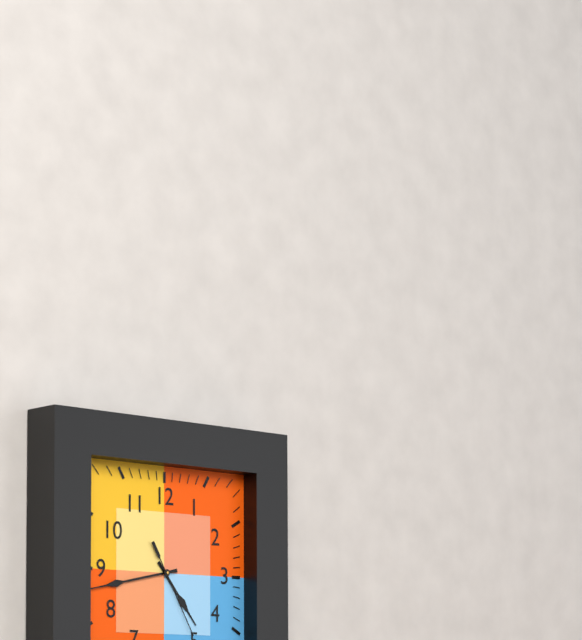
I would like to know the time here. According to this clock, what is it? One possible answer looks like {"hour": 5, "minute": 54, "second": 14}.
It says {"hour": 4, "minute": 43, "second": 25}
